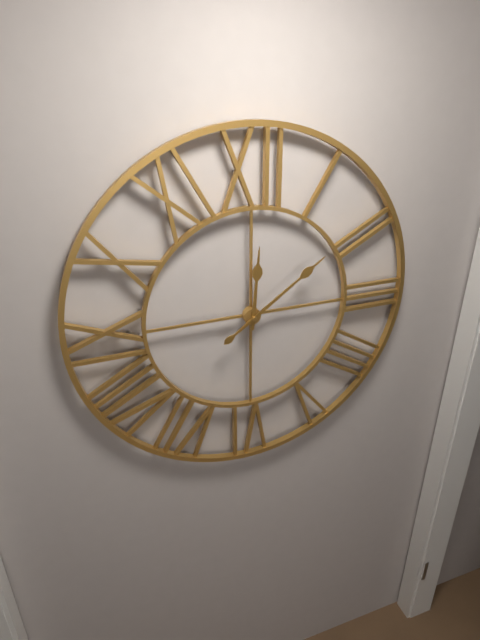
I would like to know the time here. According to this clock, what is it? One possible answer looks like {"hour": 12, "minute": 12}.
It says {"hour": 12, "minute": 9}
